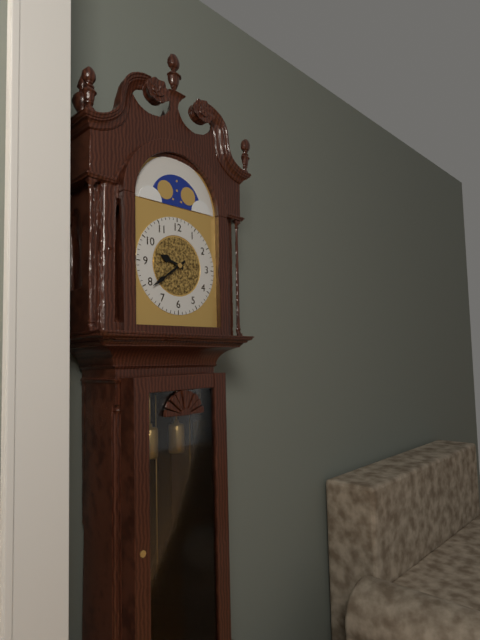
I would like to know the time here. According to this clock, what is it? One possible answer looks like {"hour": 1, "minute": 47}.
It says {"hour": 9, "minute": 39}
